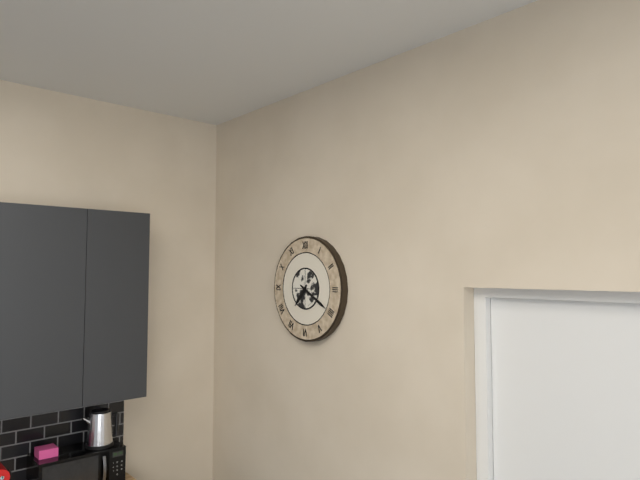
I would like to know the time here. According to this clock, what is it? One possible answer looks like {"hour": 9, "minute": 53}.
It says {"hour": 7, "minute": 20}
